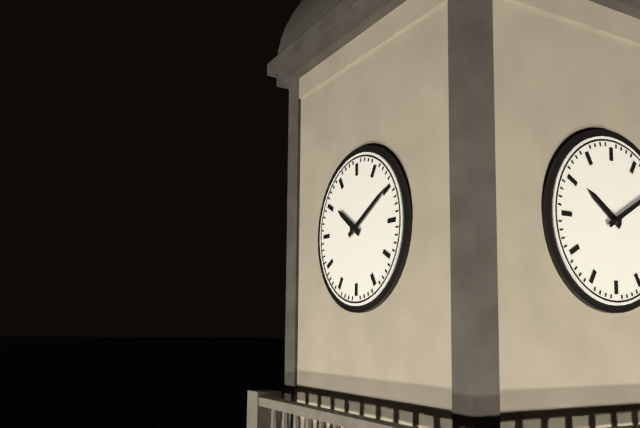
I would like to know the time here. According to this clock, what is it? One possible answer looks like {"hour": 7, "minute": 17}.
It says {"hour": 10, "minute": 10}
